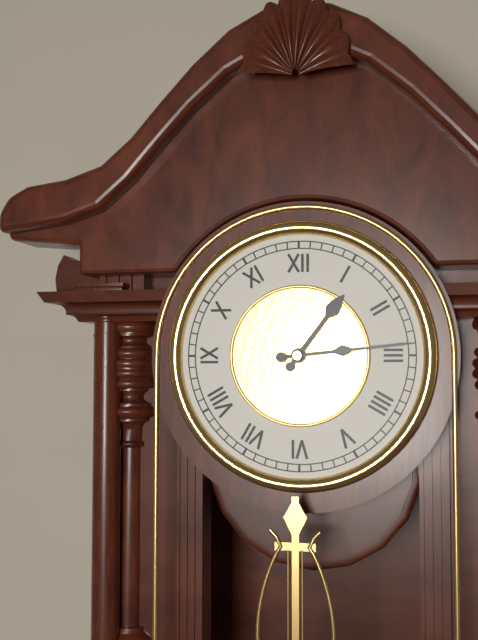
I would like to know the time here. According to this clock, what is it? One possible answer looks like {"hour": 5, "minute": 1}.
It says {"hour": 1, "minute": 14}
